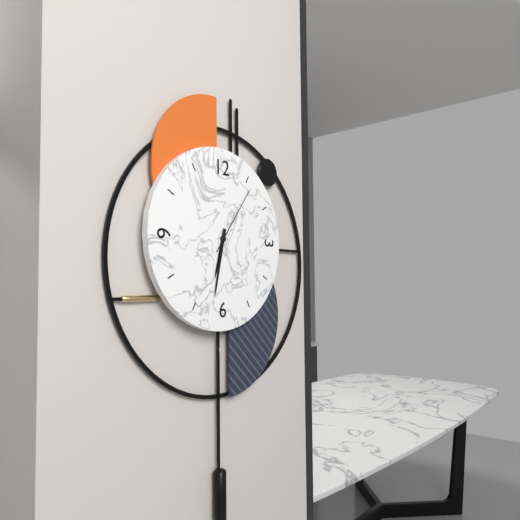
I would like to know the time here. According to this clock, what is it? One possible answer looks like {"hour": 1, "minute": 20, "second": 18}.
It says {"hour": 6, "minute": 32, "second": 6}
